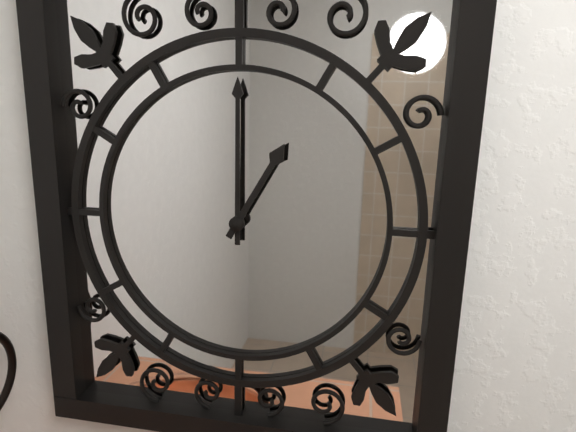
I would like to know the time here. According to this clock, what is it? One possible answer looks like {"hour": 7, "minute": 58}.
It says {"hour": 1, "minute": 0}
